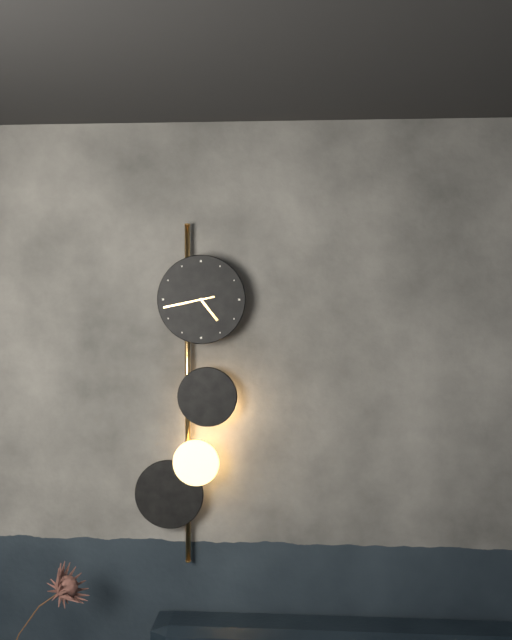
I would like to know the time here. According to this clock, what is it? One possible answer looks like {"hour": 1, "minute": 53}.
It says {"hour": 4, "minute": 43}
